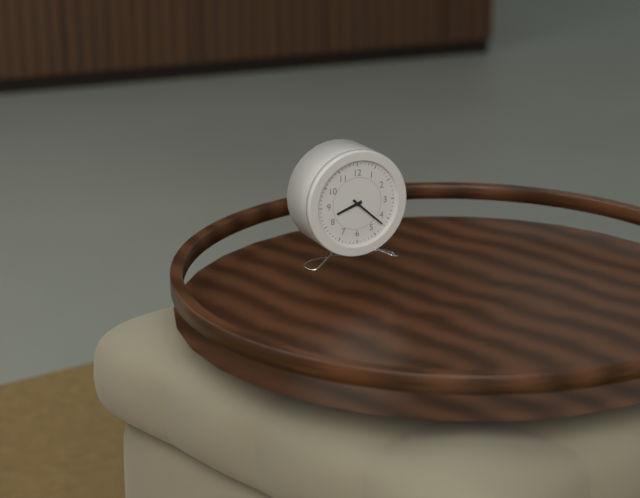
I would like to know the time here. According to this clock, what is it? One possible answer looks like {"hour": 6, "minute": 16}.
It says {"hour": 8, "minute": 22}
